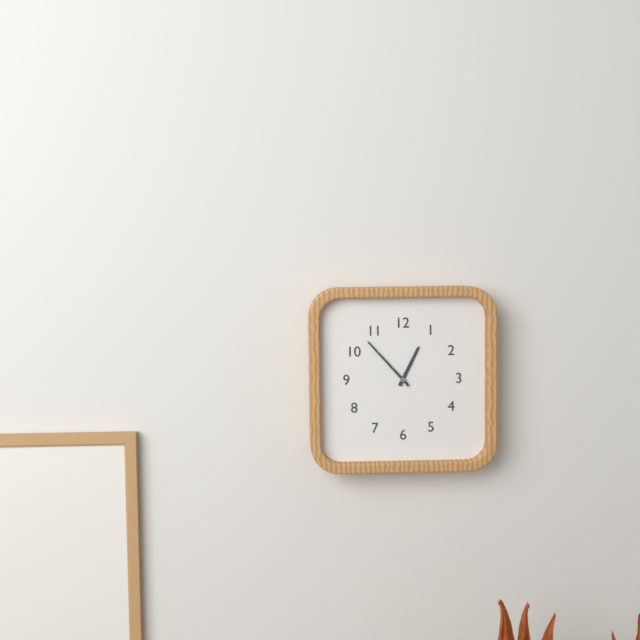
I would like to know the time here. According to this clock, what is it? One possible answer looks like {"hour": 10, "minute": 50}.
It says {"hour": 12, "minute": 53}
